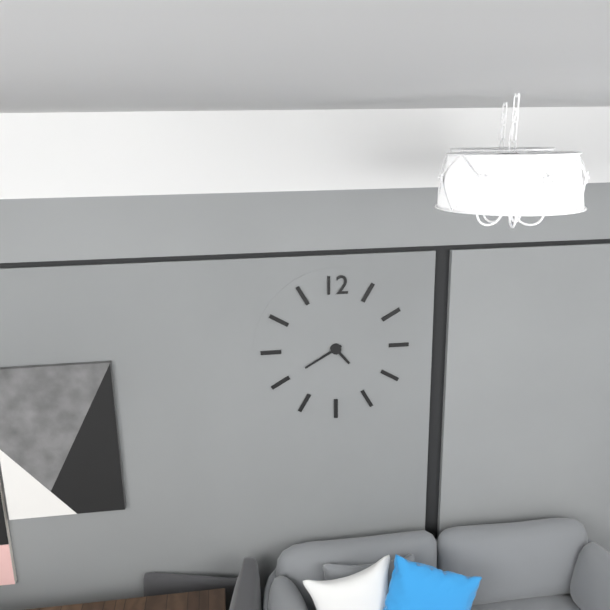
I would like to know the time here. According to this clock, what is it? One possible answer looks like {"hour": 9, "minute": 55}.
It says {"hour": 4, "minute": 40}
